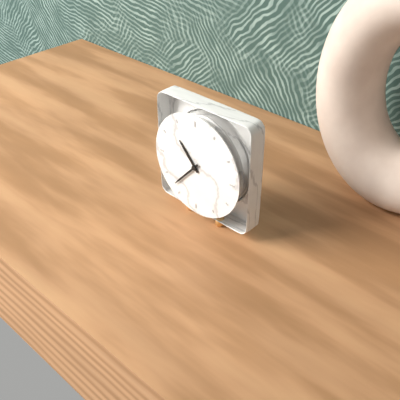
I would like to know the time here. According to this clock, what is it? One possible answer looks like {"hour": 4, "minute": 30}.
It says {"hour": 10, "minute": 37}
